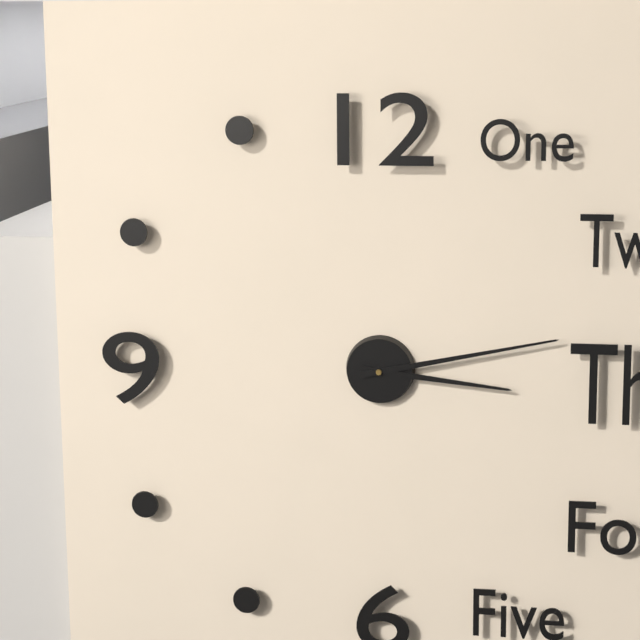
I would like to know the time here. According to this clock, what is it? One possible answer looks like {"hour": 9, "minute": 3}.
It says {"hour": 3, "minute": 13}
